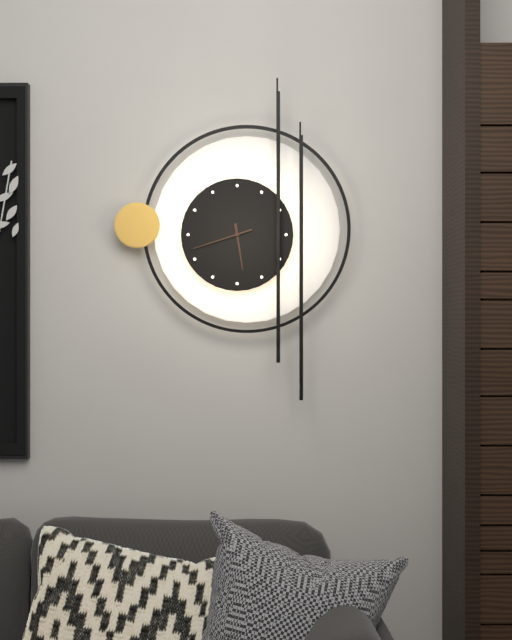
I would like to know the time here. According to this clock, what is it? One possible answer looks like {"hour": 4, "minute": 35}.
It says {"hour": 5, "minute": 42}
